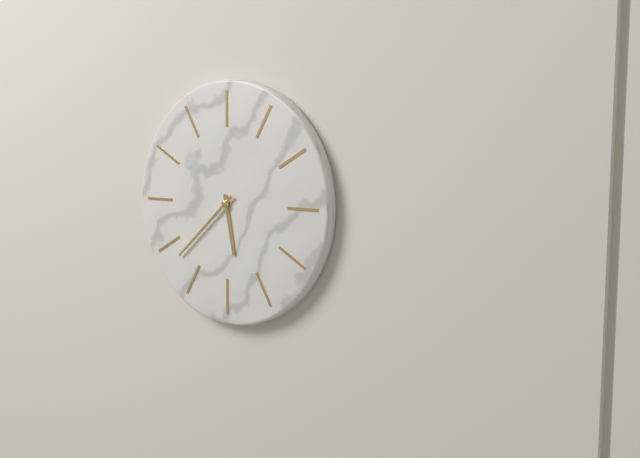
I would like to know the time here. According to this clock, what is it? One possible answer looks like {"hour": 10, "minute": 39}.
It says {"hour": 5, "minute": 38}
